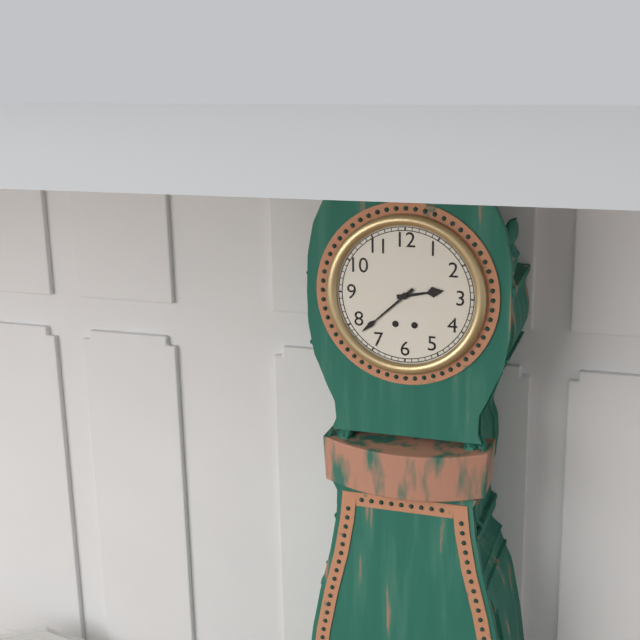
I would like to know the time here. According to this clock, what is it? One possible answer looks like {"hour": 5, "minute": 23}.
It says {"hour": 2, "minute": 38}
